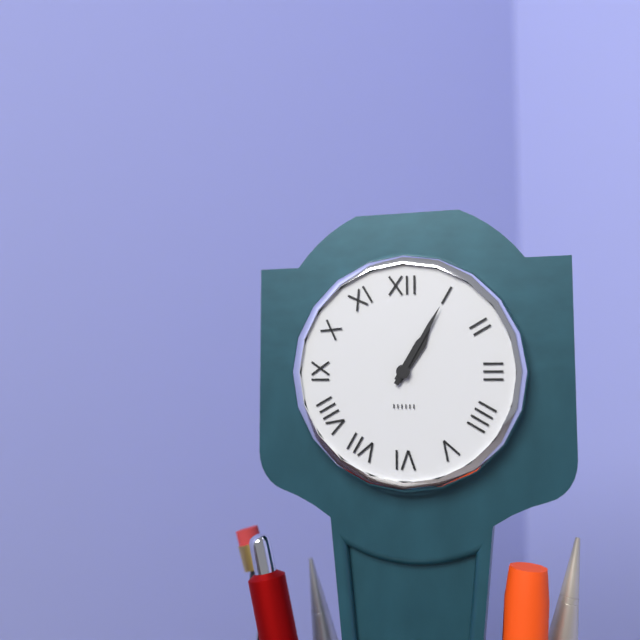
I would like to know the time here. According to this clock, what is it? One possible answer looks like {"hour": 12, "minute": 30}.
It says {"hour": 1, "minute": 5}
